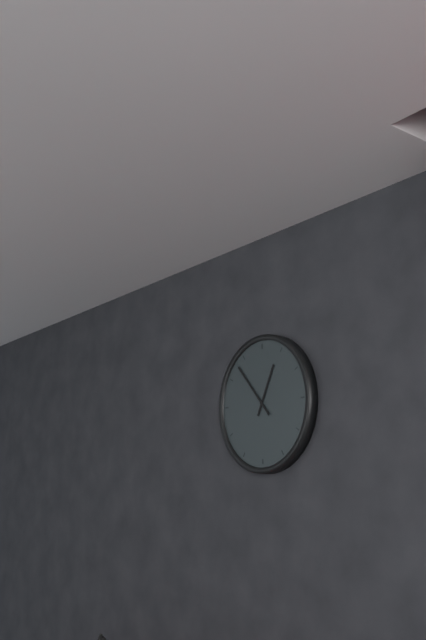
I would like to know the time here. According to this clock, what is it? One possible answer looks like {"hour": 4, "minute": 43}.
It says {"hour": 12, "minute": 53}
